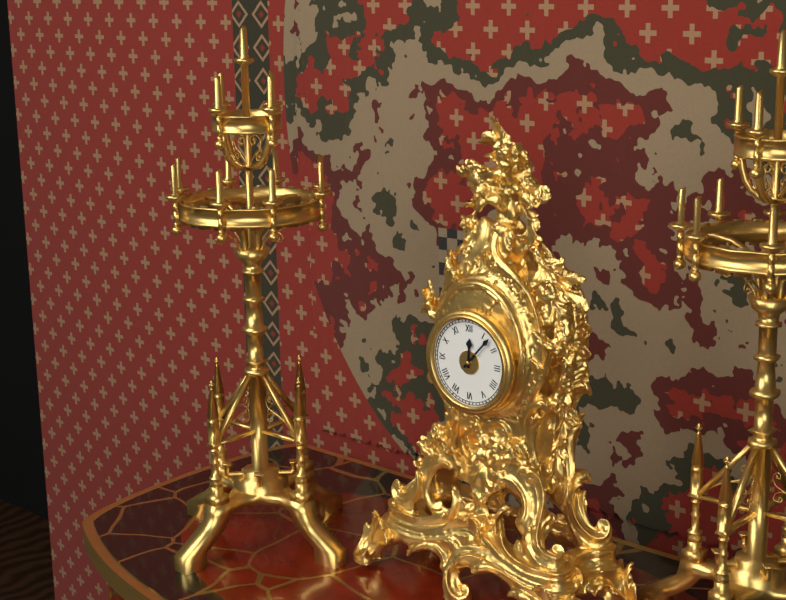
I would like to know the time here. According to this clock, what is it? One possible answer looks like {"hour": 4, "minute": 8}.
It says {"hour": 12, "minute": 7}
